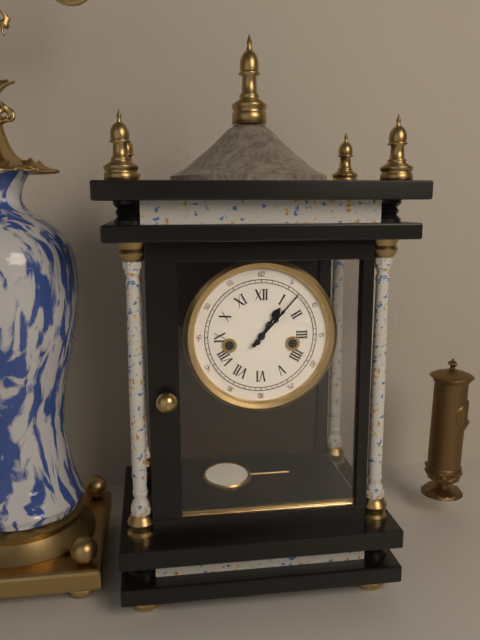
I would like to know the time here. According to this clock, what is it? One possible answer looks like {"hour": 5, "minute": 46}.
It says {"hour": 1, "minute": 7}
